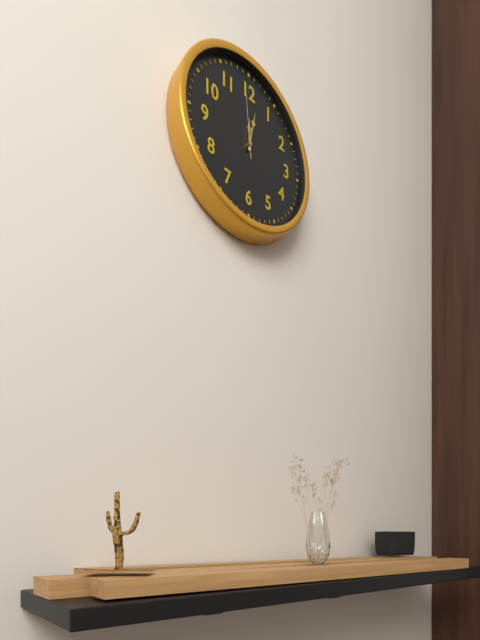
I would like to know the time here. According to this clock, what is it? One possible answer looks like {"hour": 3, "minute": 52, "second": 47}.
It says {"hour": 12, "minute": 2, "second": 59}
